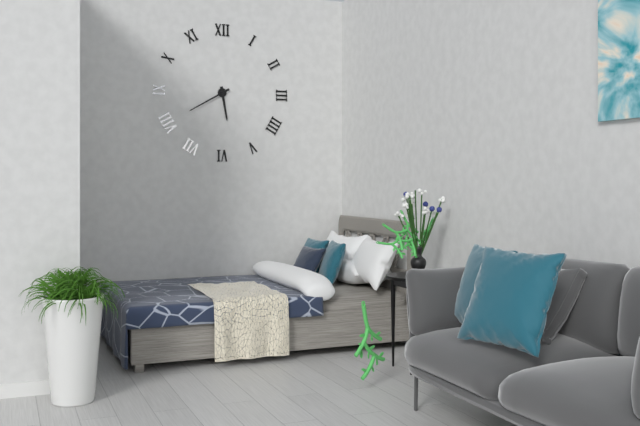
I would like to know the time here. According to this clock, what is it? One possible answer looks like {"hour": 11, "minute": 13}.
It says {"hour": 5, "minute": 40}
